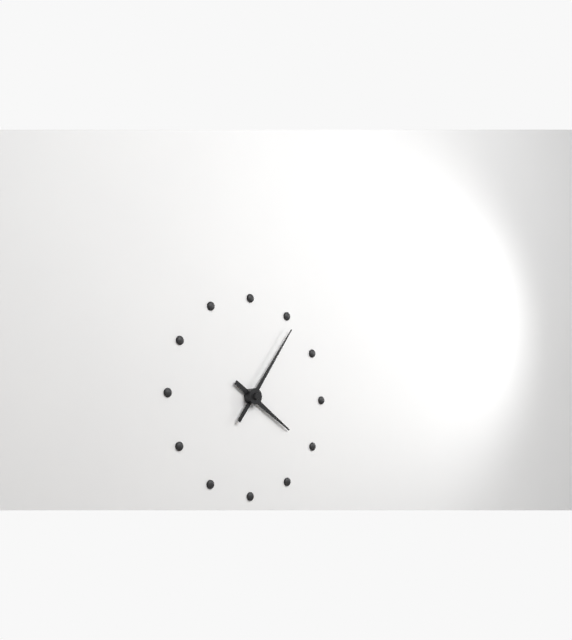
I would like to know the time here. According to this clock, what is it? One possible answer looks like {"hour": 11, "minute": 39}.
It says {"hour": 4, "minute": 6}
